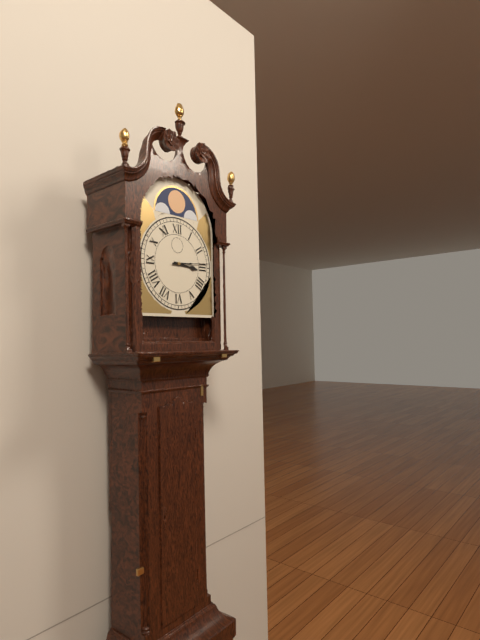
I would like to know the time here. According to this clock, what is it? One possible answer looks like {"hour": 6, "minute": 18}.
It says {"hour": 3, "minute": 14}
